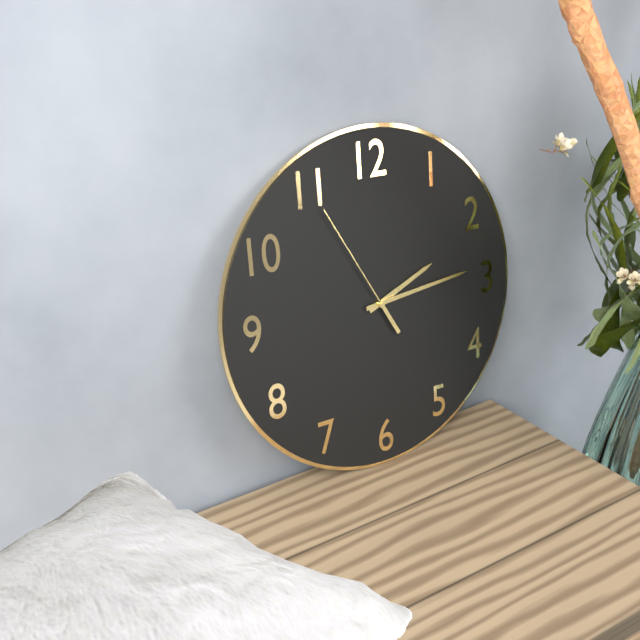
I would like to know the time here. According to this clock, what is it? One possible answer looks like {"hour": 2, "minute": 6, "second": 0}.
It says {"hour": 2, "minute": 14, "second": 55}
